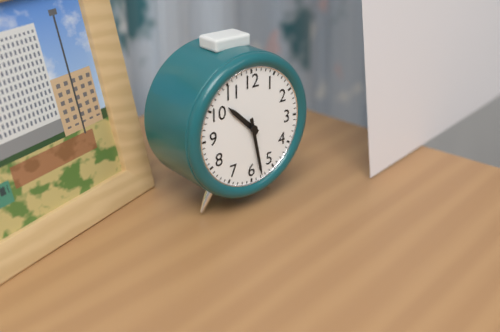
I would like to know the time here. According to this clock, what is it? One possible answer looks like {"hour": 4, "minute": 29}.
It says {"hour": 10, "minute": 28}
